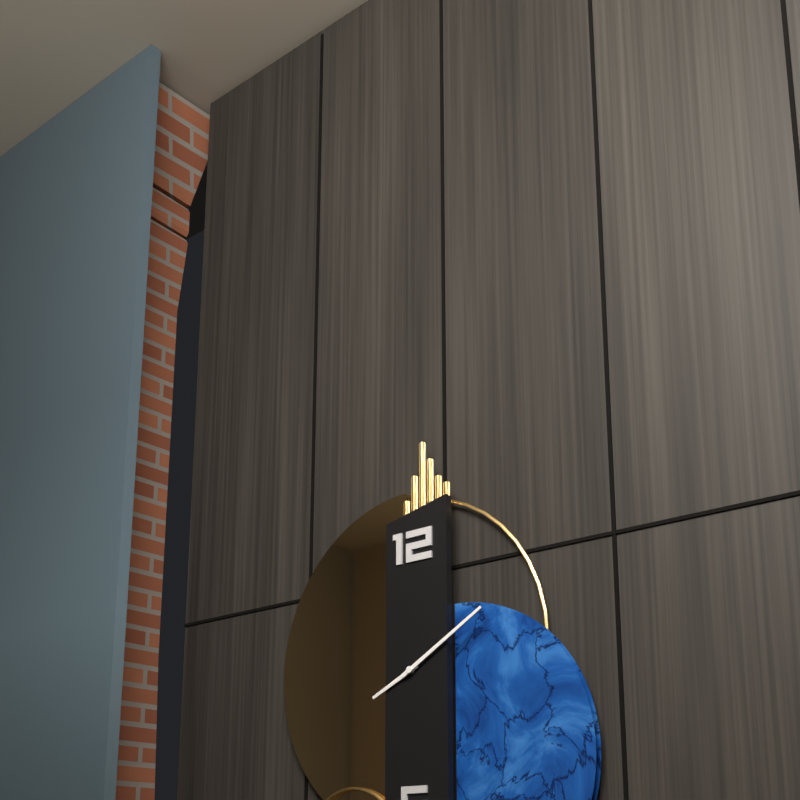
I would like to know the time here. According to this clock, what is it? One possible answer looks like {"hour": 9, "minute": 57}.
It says {"hour": 8, "minute": 10}
